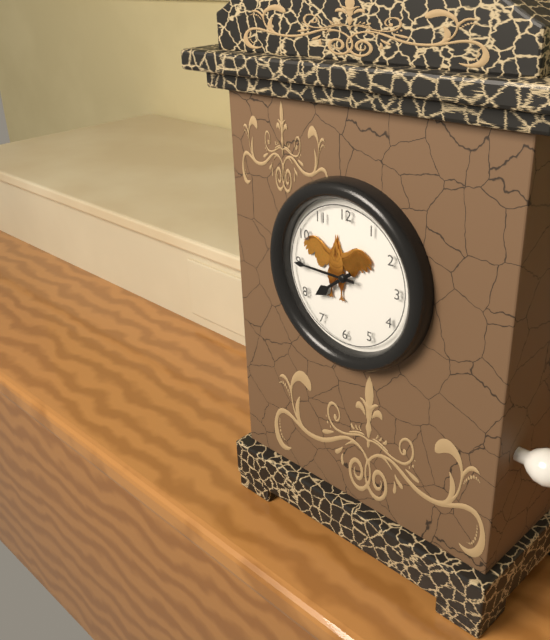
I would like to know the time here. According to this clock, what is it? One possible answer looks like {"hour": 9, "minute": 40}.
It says {"hour": 7, "minute": 45}
